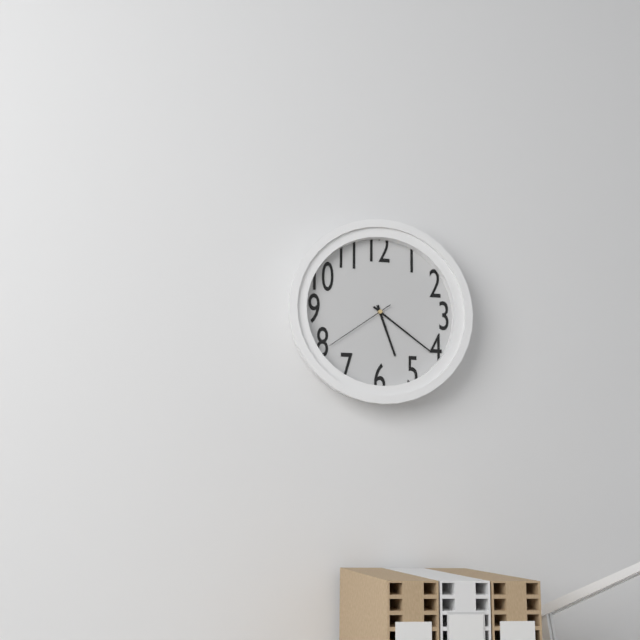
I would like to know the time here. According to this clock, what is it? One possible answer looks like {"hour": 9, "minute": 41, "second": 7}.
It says {"hour": 5, "minute": 21, "second": 39}
